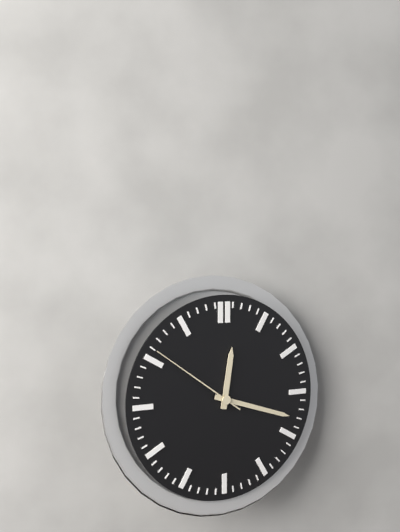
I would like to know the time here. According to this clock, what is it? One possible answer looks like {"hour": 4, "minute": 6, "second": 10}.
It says {"hour": 12, "minute": 18, "second": 51}
